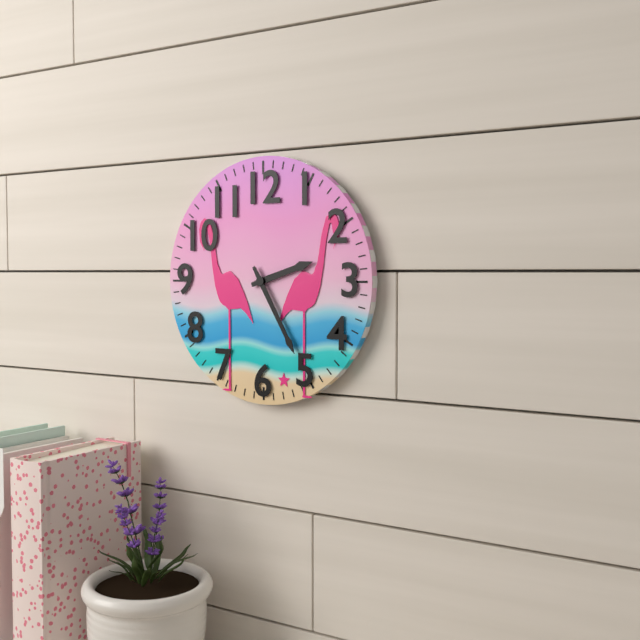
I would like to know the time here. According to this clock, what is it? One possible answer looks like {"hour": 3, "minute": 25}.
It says {"hour": 2, "minute": 25}
